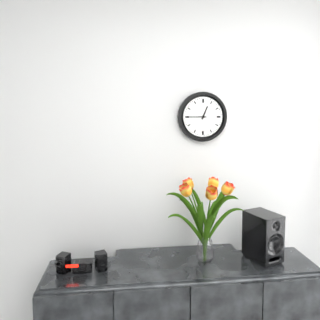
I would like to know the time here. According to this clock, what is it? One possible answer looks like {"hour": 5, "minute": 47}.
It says {"hour": 12, "minute": 45}
